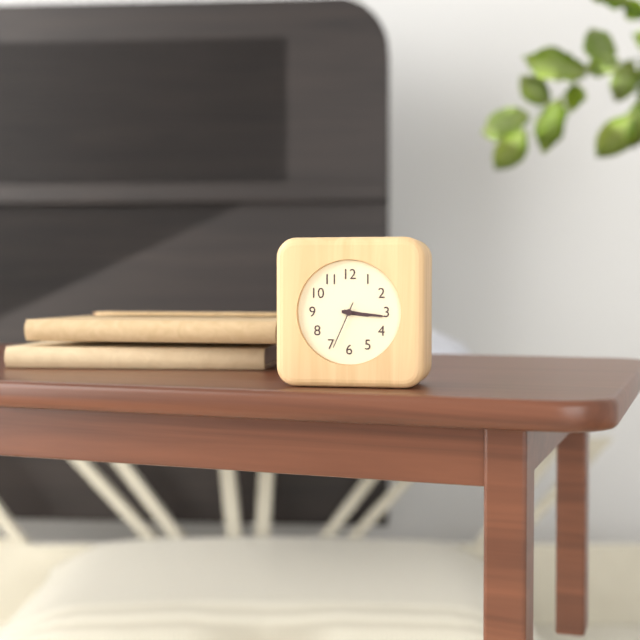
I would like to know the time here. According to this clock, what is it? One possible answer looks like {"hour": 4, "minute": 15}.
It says {"hour": 3, "minute": 16}
